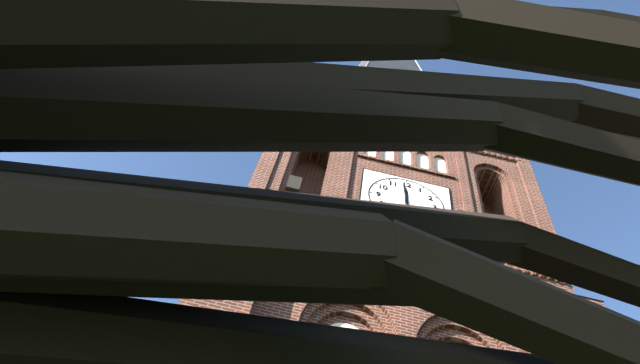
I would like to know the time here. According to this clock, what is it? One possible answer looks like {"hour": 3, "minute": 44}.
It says {"hour": 11, "minute": 59}
